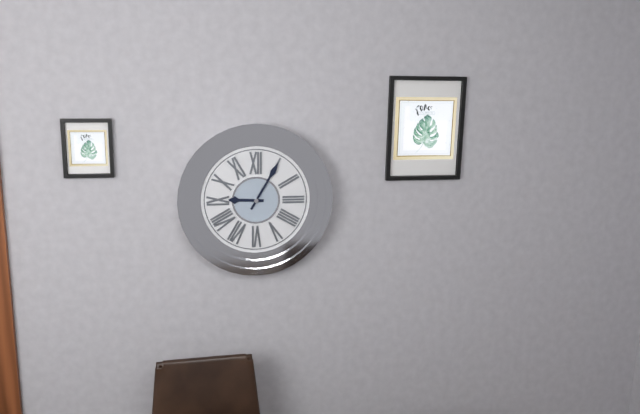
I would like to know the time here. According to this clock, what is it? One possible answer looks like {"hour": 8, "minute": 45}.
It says {"hour": 9, "minute": 5}
